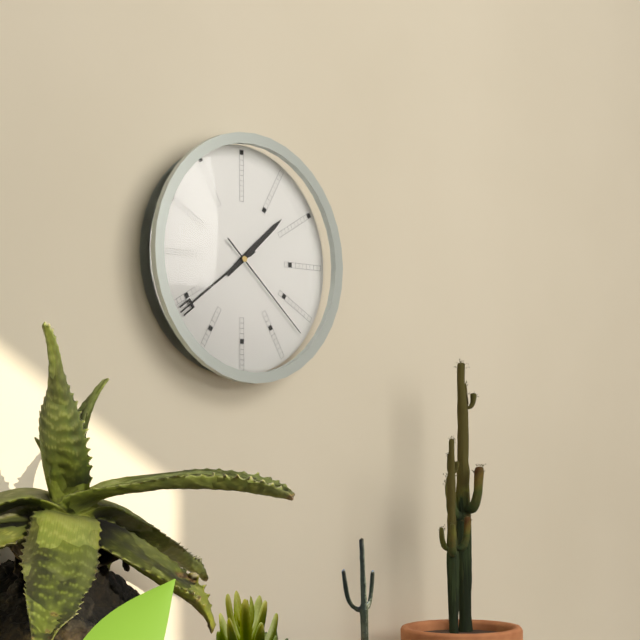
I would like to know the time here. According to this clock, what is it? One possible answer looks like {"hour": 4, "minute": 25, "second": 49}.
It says {"hour": 1, "minute": 39, "second": 22}
